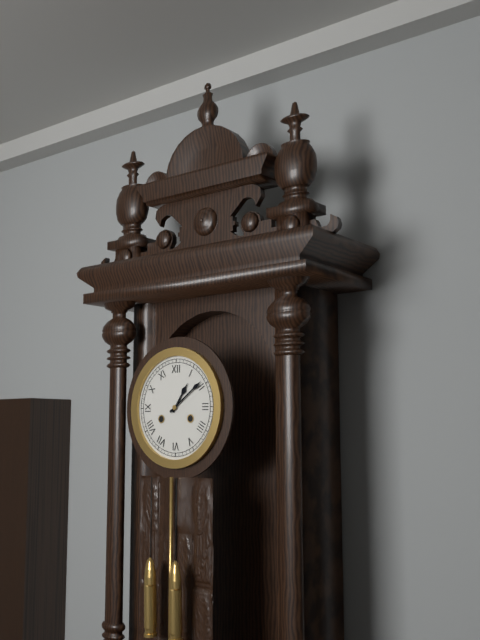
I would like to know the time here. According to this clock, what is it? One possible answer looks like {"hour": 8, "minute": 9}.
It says {"hour": 1, "minute": 9}
